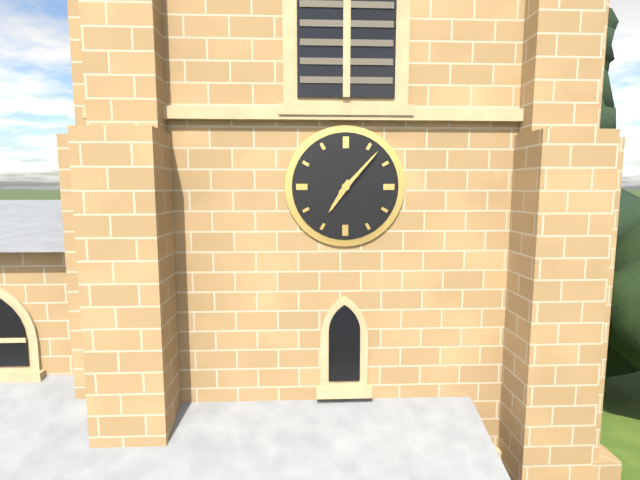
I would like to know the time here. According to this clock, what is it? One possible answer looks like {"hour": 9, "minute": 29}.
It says {"hour": 7, "minute": 7}
